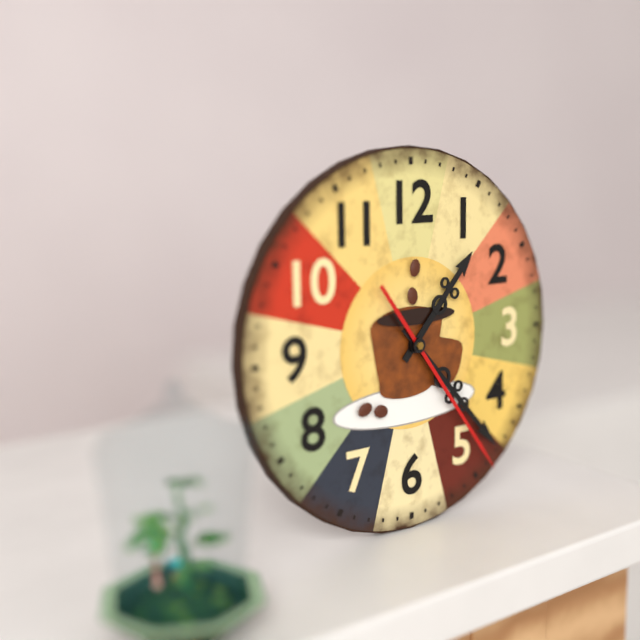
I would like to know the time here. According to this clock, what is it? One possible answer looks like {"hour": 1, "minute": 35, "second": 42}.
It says {"hour": 1, "minute": 23, "second": 24}
